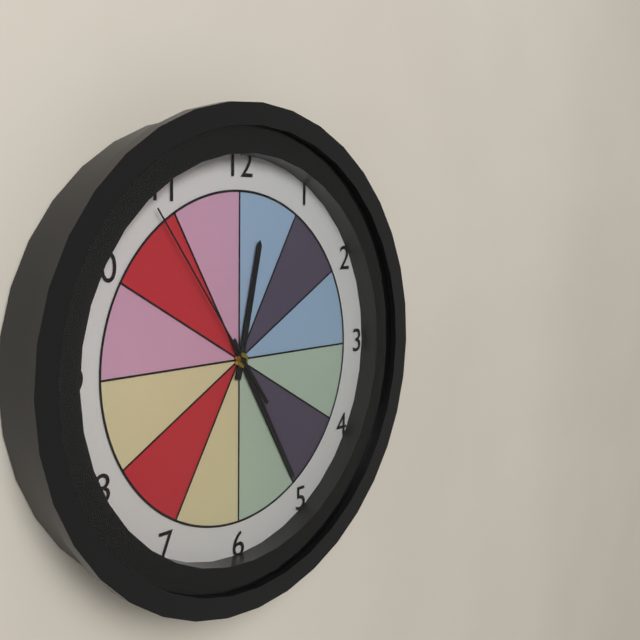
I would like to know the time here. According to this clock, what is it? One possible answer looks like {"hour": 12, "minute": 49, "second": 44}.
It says {"hour": 12, "minute": 25, "second": 54}
